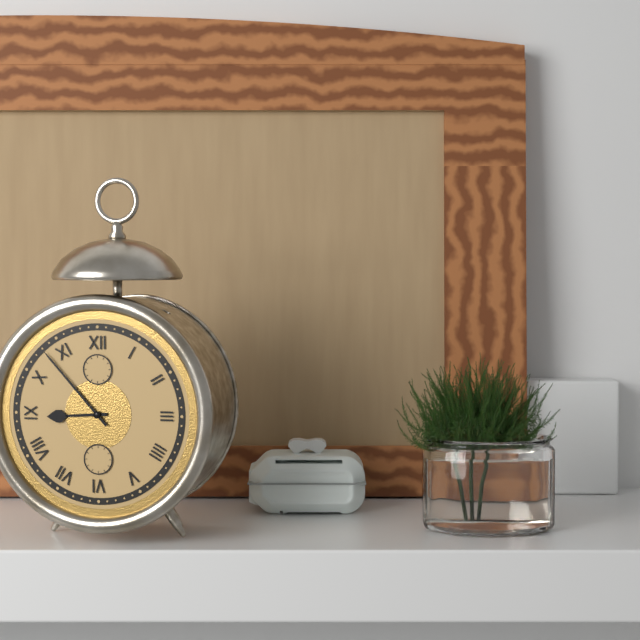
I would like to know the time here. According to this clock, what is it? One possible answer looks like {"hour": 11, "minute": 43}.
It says {"hour": 8, "minute": 53}
